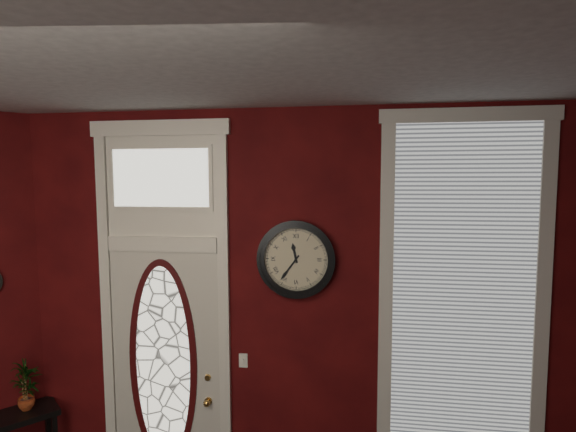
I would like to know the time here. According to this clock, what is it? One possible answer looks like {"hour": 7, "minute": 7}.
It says {"hour": 11, "minute": 36}
